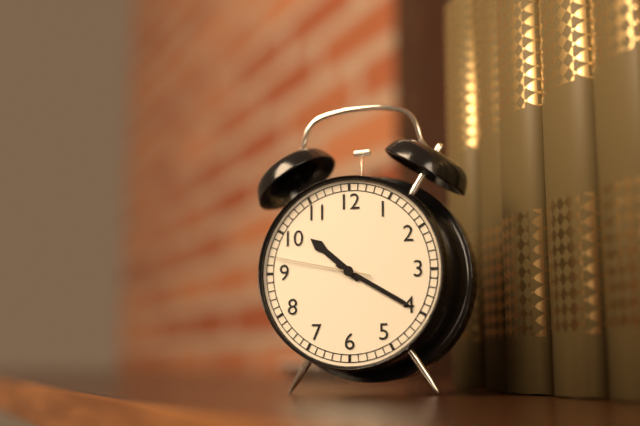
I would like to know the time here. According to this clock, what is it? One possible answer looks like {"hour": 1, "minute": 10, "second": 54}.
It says {"hour": 10, "minute": 20, "second": 47}
